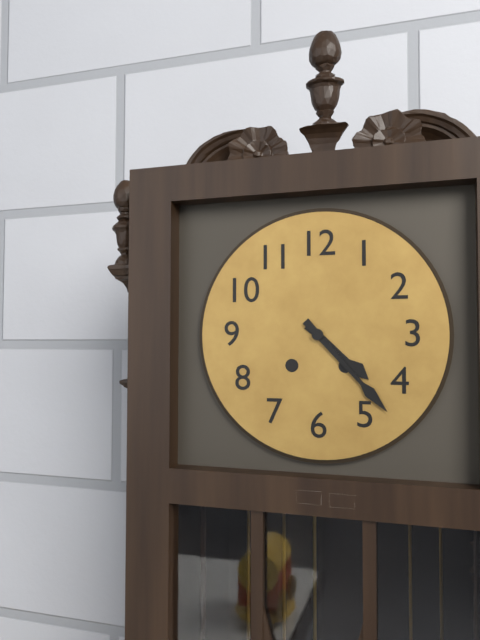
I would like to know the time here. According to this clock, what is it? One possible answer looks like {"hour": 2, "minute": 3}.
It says {"hour": 4, "minute": 23}
